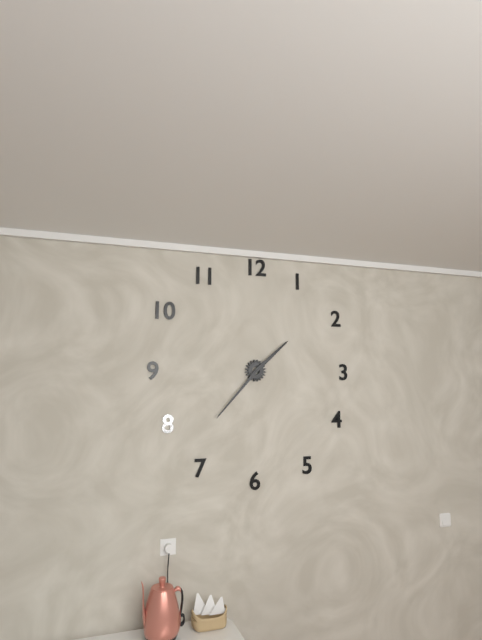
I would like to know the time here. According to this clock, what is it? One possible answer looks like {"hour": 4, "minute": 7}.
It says {"hour": 1, "minute": 37}
